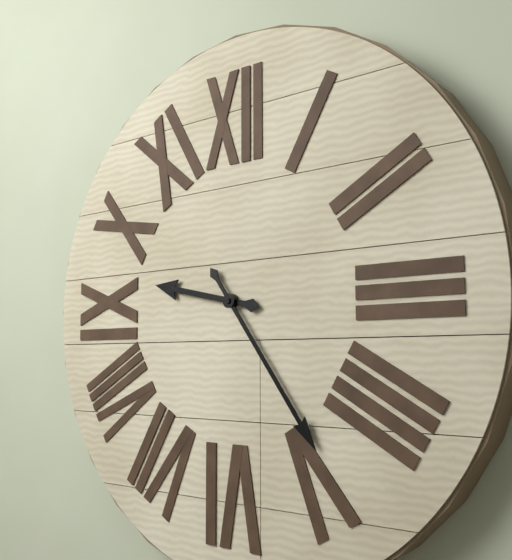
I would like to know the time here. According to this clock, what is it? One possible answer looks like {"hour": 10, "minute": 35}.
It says {"hour": 9, "minute": 24}
